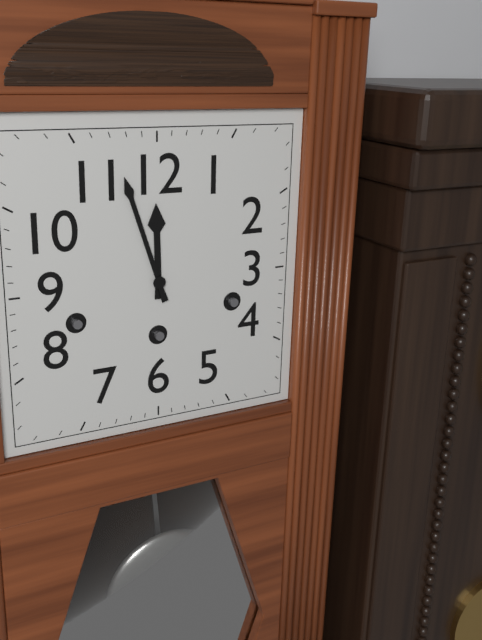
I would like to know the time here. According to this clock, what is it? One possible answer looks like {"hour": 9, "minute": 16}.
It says {"hour": 11, "minute": 57}
